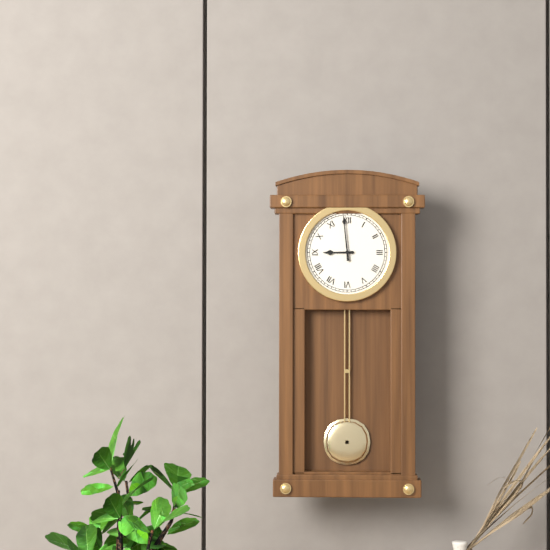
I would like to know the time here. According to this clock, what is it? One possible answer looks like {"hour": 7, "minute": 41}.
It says {"hour": 8, "minute": 59}
